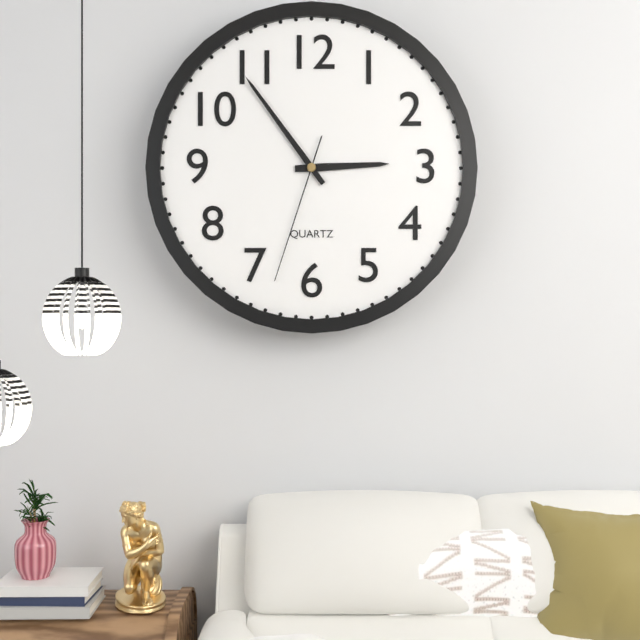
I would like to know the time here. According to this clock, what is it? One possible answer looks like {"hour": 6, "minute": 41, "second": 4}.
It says {"hour": 2, "minute": 54, "second": 33}
